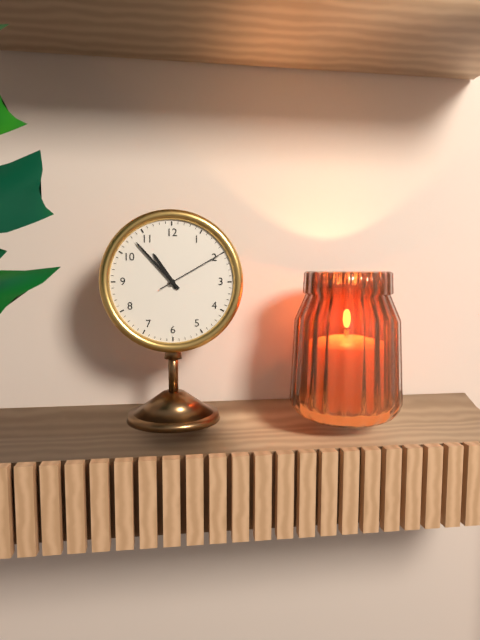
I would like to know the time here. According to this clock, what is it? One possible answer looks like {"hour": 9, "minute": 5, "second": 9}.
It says {"hour": 10, "minute": 53, "second": 10}
